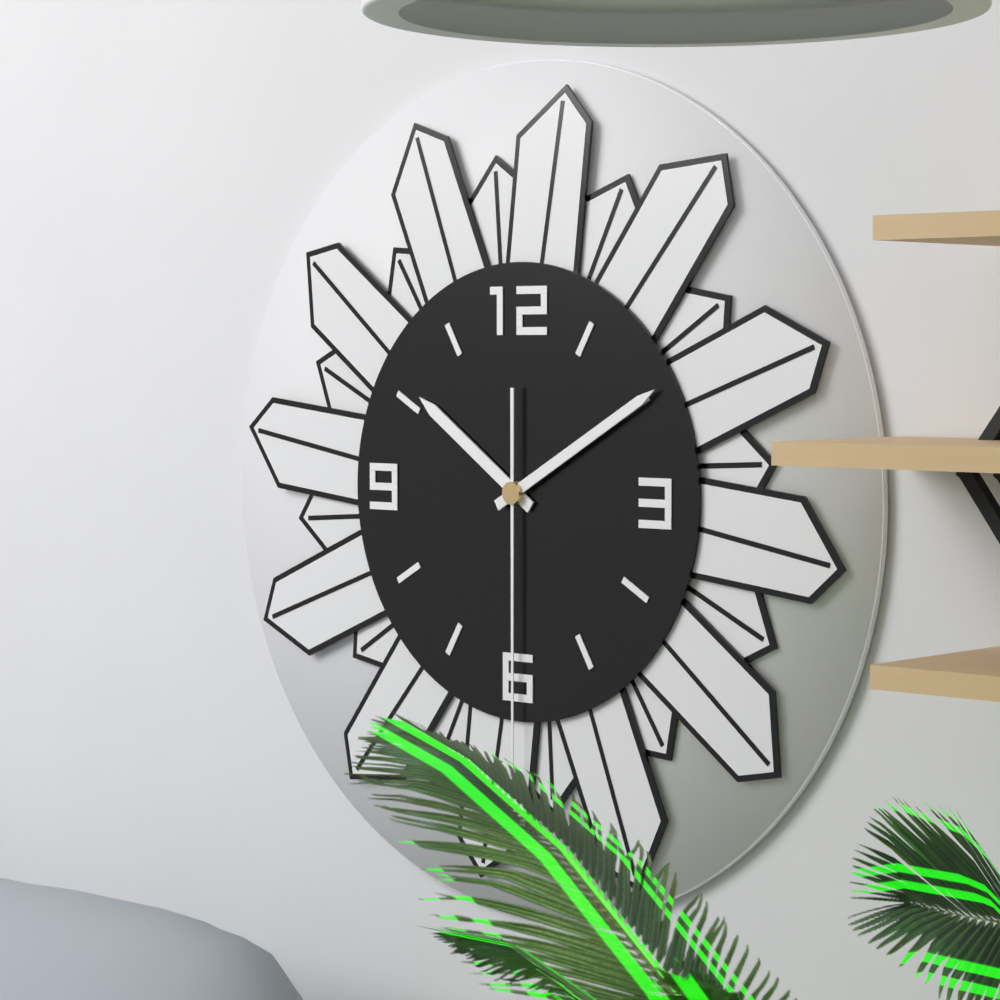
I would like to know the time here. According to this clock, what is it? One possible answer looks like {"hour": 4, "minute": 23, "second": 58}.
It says {"hour": 10, "minute": 10, "second": 30}
